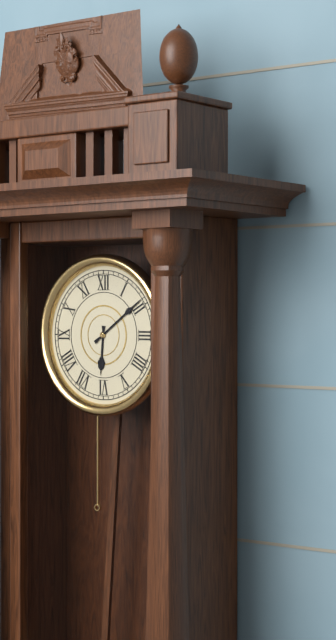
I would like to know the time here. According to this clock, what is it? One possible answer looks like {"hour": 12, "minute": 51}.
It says {"hour": 6, "minute": 9}
